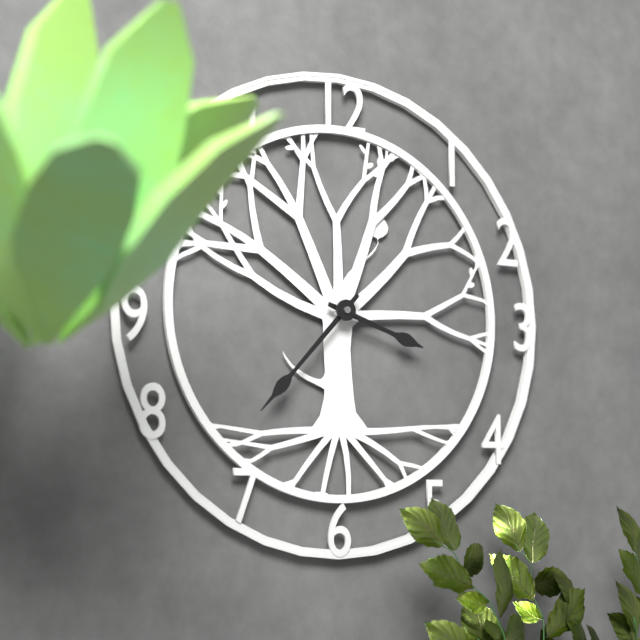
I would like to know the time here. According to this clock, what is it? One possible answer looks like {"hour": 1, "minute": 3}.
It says {"hour": 3, "minute": 37}
